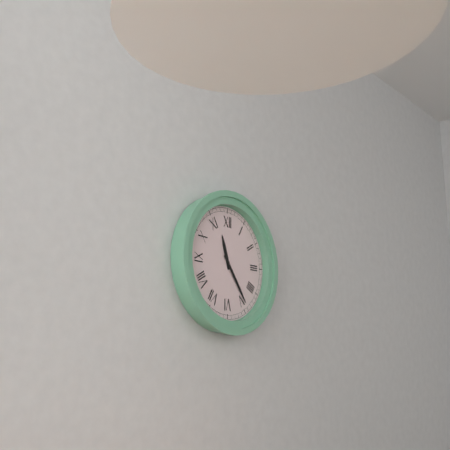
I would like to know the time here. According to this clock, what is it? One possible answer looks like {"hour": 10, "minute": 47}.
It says {"hour": 11, "minute": 24}
